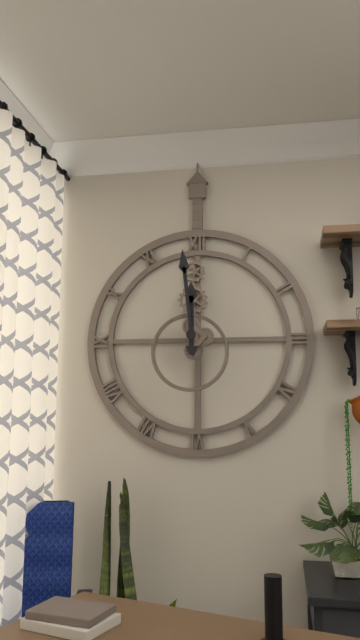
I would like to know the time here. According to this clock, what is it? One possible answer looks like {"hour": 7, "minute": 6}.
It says {"hour": 11, "minute": 59}
